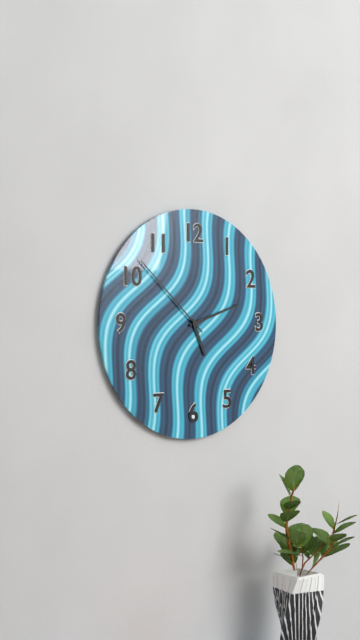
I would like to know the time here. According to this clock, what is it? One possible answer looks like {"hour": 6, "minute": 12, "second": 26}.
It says {"hour": 5, "minute": 12, "second": 52}
